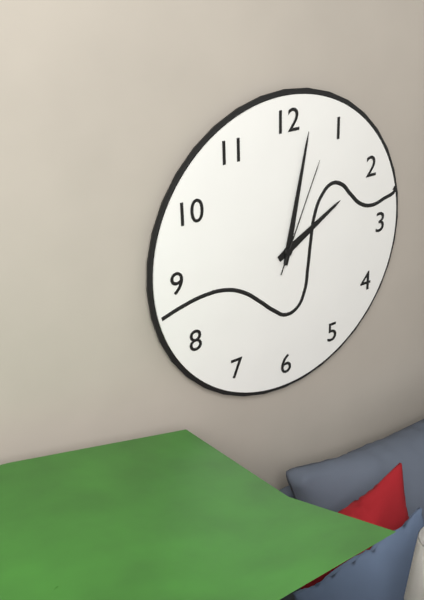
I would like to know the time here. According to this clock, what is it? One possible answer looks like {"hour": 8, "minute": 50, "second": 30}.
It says {"hour": 2, "minute": 2, "second": 4}
